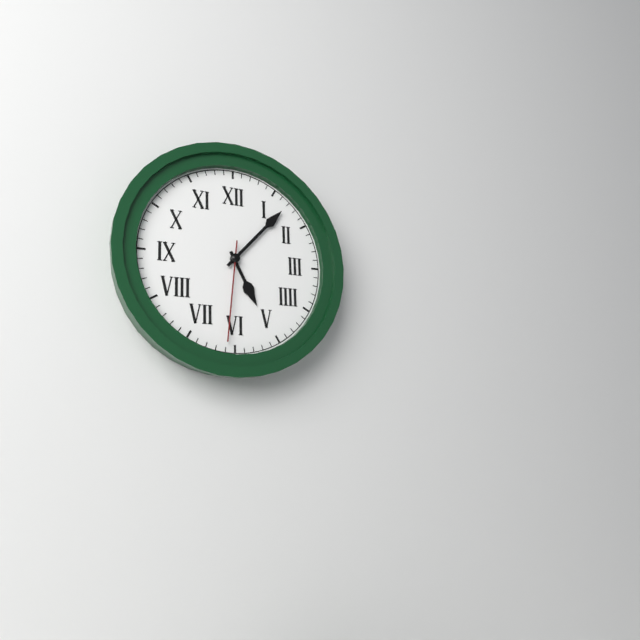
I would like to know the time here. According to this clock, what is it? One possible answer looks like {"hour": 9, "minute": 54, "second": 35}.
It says {"hour": 5, "minute": 7, "second": 31}
